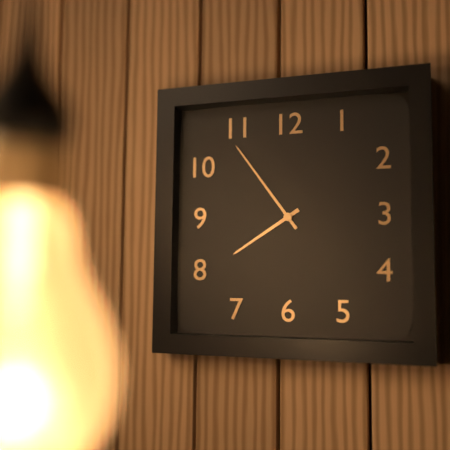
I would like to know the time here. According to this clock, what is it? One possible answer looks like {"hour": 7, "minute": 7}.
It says {"hour": 7, "minute": 54}
